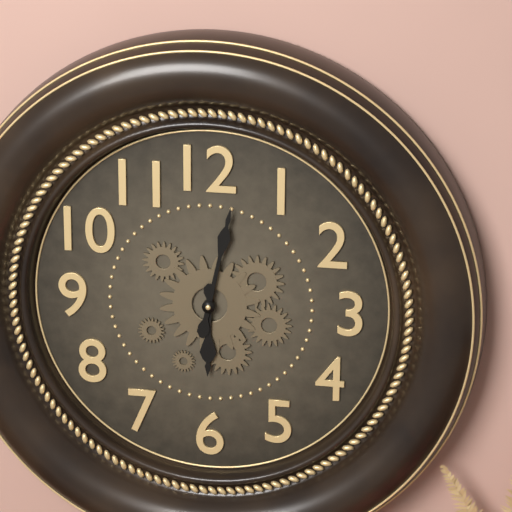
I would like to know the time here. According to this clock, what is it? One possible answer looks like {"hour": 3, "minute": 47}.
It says {"hour": 6, "minute": 2}
